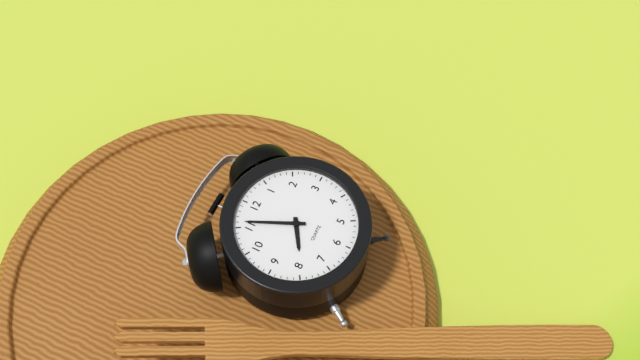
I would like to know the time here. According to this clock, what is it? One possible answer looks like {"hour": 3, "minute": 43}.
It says {"hour": 7, "minute": 56}
